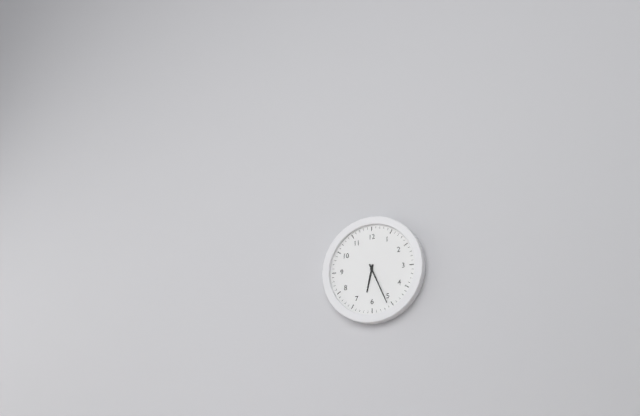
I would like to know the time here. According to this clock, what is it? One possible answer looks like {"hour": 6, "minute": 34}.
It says {"hour": 6, "minute": 26}
